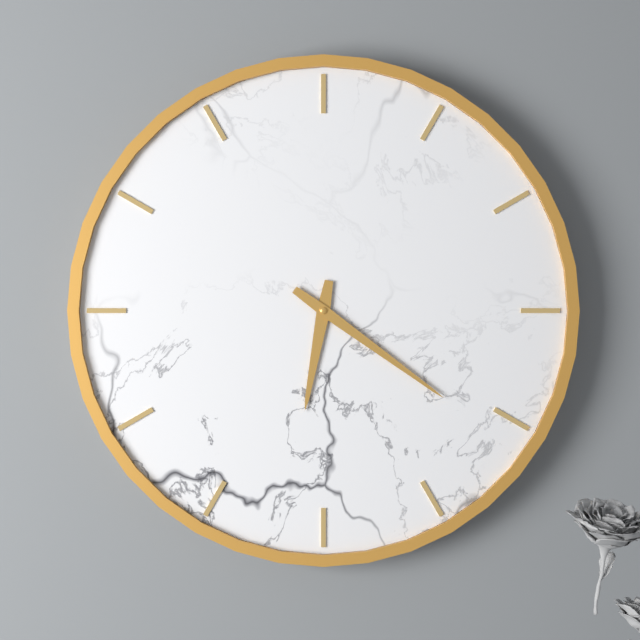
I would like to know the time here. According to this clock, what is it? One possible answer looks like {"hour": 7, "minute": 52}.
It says {"hour": 6, "minute": 21}
